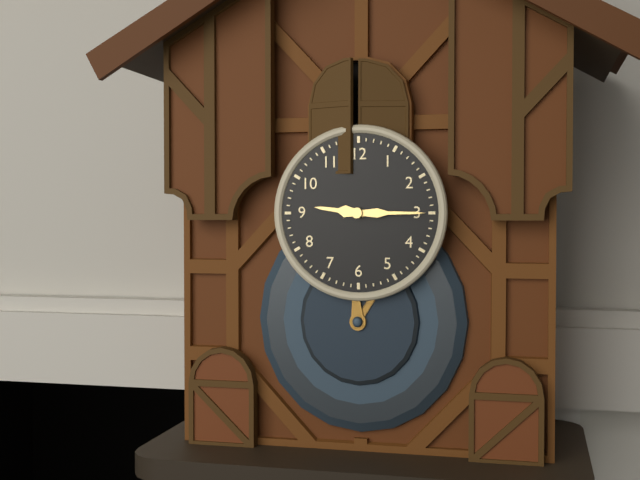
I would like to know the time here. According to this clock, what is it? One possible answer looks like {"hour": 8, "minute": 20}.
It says {"hour": 9, "minute": 15}
